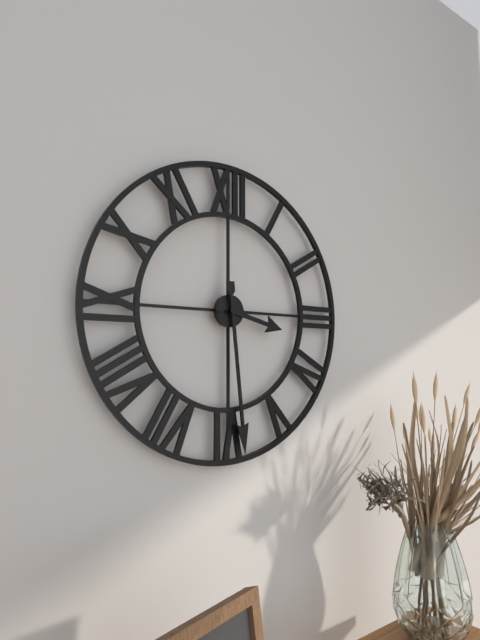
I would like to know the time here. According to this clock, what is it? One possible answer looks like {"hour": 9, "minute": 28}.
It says {"hour": 3, "minute": 29}
